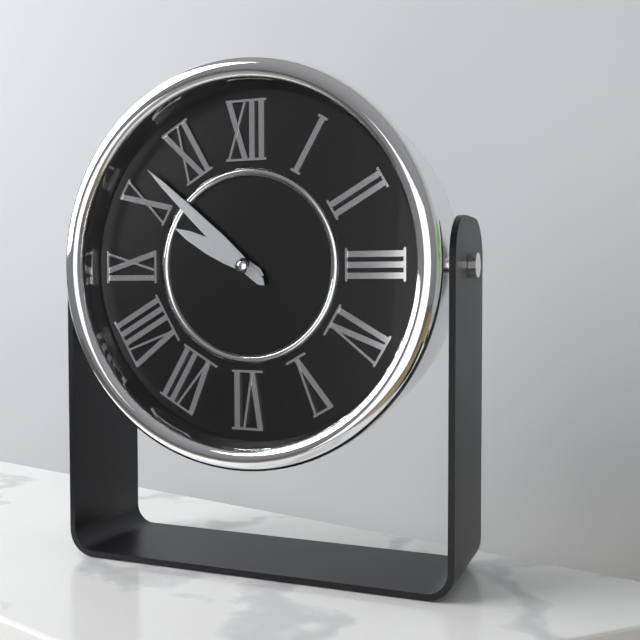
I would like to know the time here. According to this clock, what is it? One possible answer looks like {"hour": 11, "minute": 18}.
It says {"hour": 9, "minute": 52}
